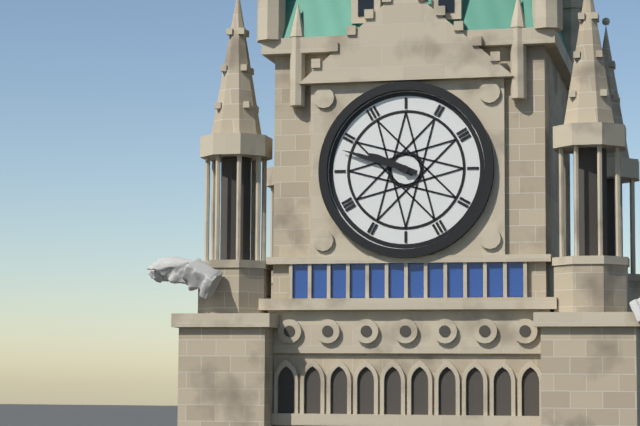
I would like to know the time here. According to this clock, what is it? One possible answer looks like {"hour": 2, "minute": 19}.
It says {"hour": 9, "minute": 48}
